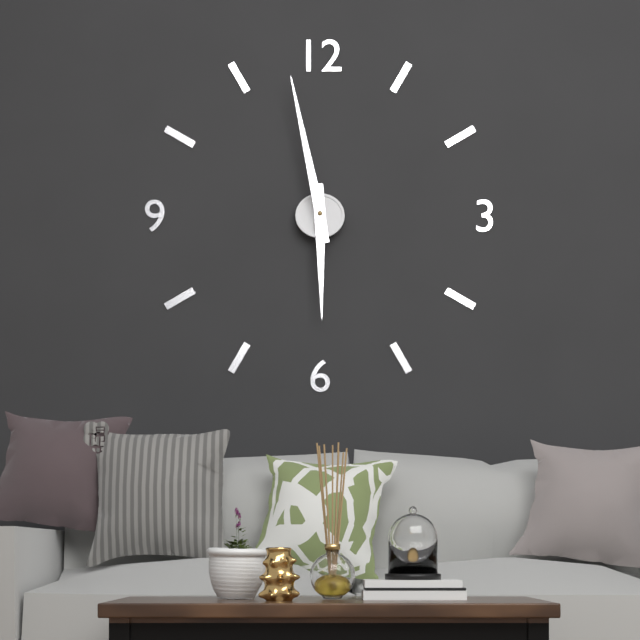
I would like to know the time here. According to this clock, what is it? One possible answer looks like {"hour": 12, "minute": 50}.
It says {"hour": 5, "minute": 58}
